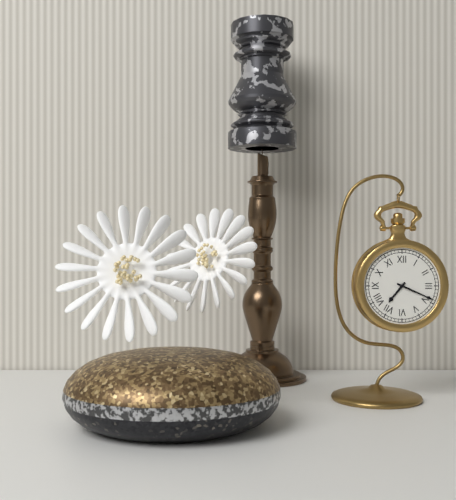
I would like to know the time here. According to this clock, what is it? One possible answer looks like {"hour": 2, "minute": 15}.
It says {"hour": 7, "minute": 19}
